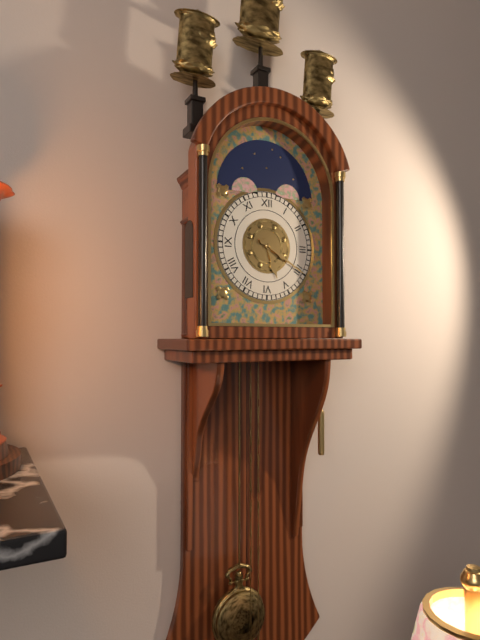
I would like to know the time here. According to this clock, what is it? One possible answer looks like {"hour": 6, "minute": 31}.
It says {"hour": 5, "minute": 20}
